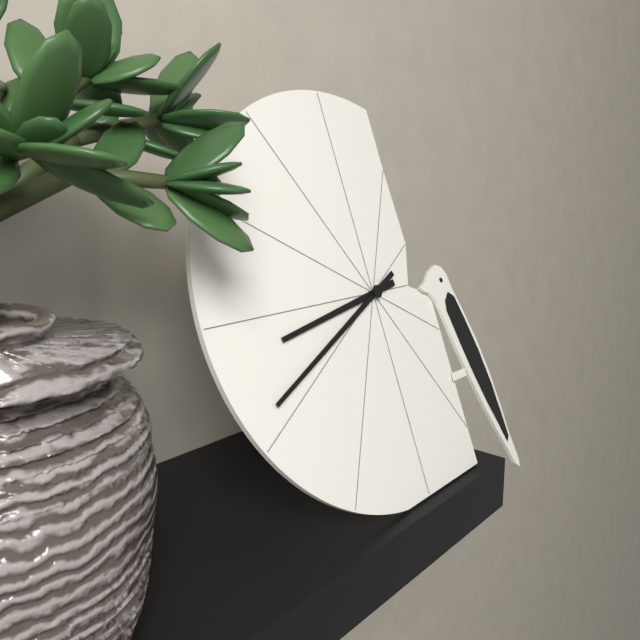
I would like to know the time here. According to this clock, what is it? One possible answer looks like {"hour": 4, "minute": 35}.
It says {"hour": 8, "minute": 41}
